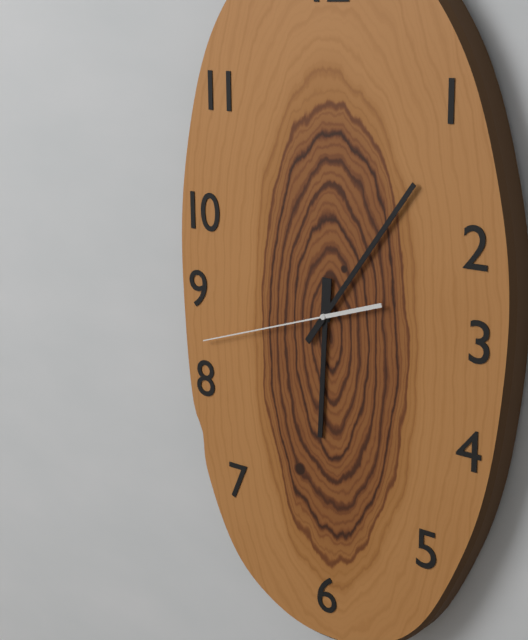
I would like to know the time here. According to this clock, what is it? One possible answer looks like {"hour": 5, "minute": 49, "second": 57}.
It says {"hour": 6, "minute": 6, "second": 42}
